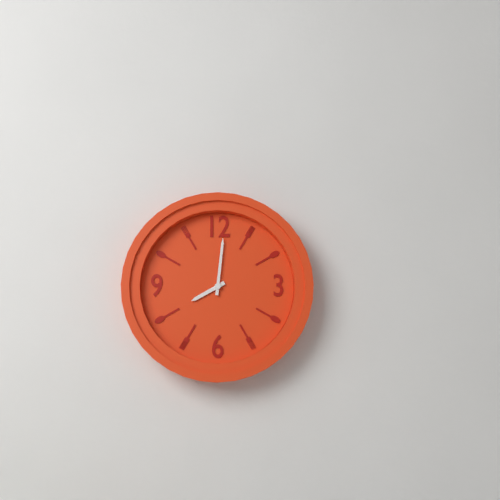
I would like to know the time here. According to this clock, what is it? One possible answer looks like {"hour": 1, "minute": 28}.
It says {"hour": 8, "minute": 1}
